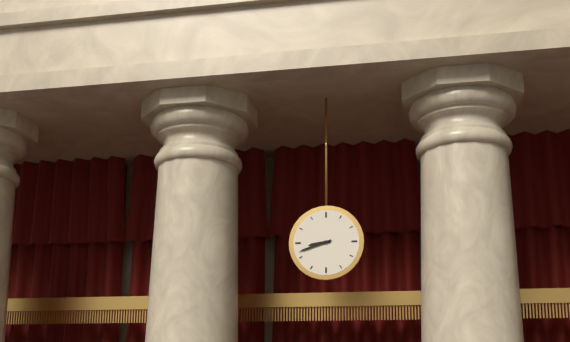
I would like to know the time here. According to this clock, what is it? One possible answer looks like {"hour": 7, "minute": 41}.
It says {"hour": 8, "minute": 42}
